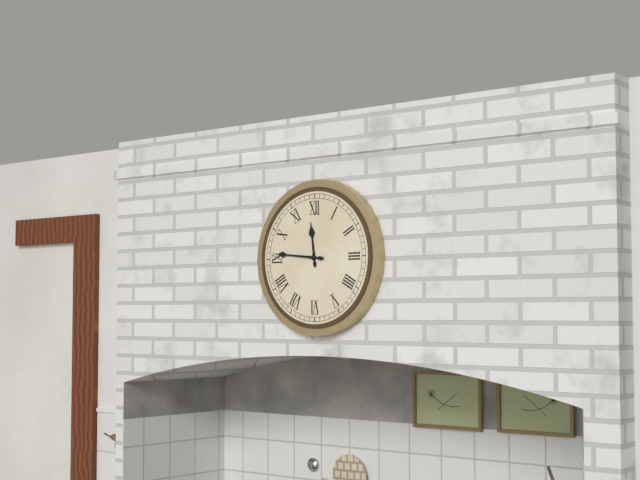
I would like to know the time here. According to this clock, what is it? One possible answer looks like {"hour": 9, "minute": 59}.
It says {"hour": 11, "minute": 46}
